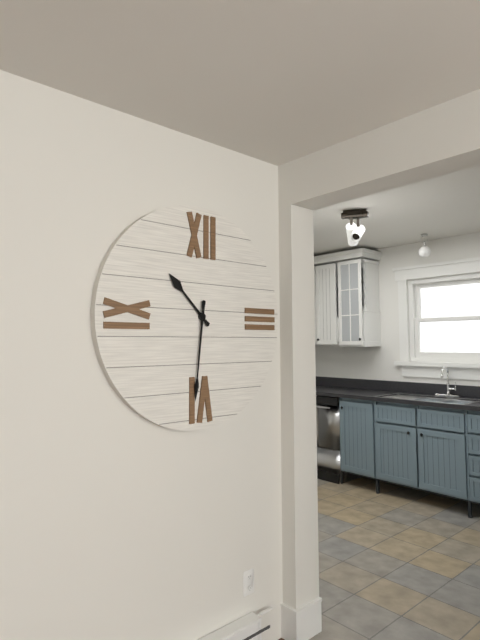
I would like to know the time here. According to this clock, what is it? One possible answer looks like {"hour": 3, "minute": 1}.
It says {"hour": 10, "minute": 31}
